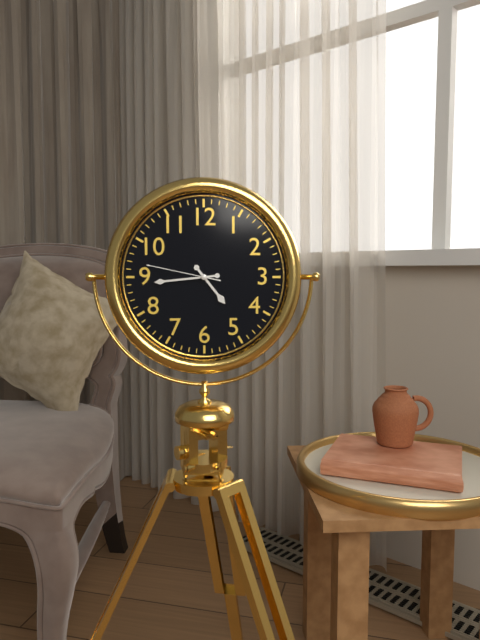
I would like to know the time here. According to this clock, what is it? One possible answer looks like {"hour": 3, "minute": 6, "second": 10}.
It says {"hour": 4, "minute": 44, "second": 47}
